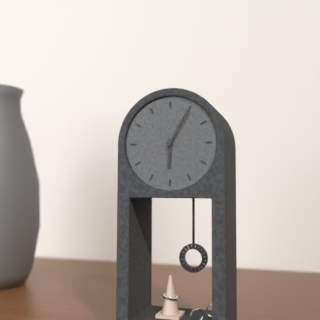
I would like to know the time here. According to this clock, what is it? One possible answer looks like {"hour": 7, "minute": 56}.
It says {"hour": 6, "minute": 5}
